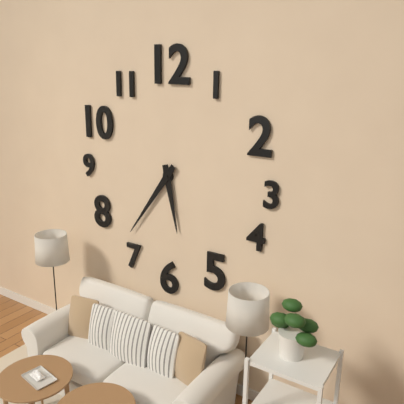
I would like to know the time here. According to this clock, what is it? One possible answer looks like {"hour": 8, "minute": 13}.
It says {"hour": 5, "minute": 36}
